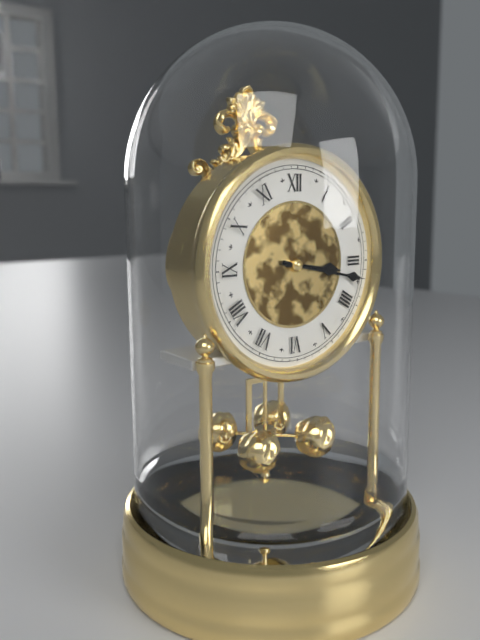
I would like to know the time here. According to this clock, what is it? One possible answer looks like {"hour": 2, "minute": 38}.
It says {"hour": 3, "minute": 17}
